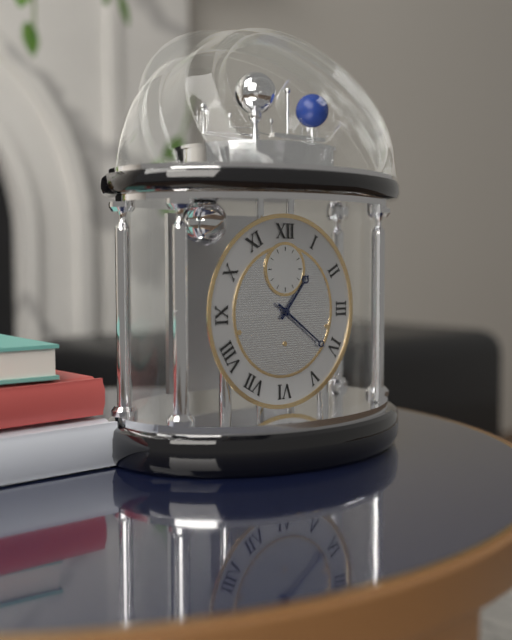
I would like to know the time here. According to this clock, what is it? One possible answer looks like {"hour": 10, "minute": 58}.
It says {"hour": 1, "minute": 21}
